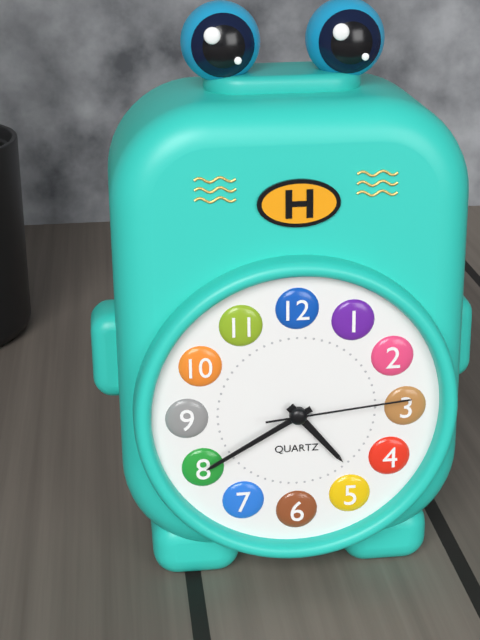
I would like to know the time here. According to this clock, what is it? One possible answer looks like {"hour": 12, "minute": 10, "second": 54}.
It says {"hour": 4, "minute": 40, "second": 14}
